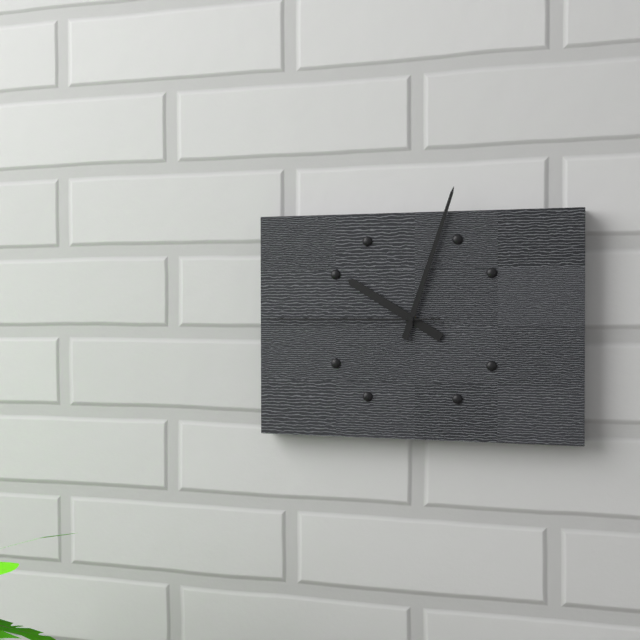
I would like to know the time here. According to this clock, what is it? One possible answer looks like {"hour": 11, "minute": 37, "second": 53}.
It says {"hour": 10, "minute": 3, "second": 45}
